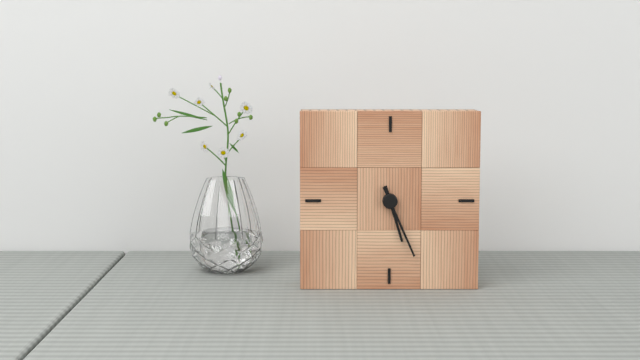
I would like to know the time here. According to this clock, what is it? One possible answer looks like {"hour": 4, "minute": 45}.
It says {"hour": 5, "minute": 26}
